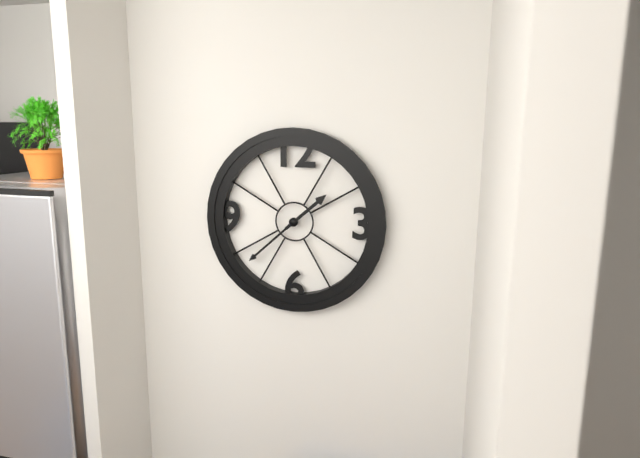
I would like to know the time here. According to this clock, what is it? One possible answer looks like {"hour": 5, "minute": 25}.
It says {"hour": 1, "minute": 38}
